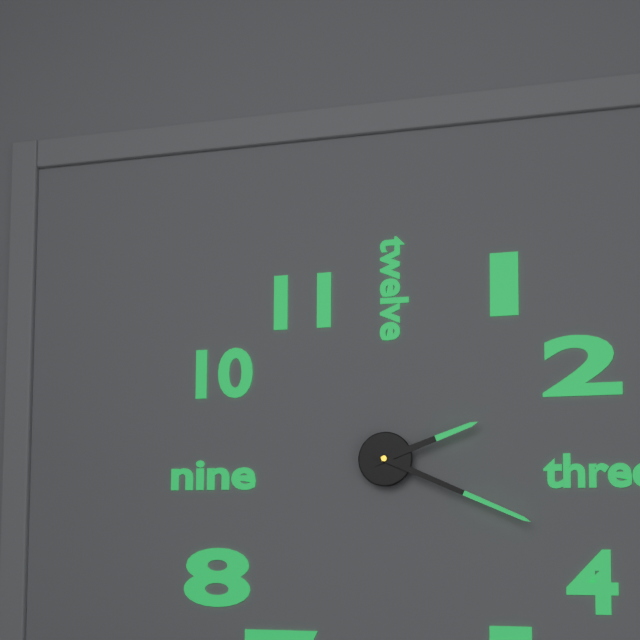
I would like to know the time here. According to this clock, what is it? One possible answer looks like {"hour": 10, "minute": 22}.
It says {"hour": 2, "minute": 19}
